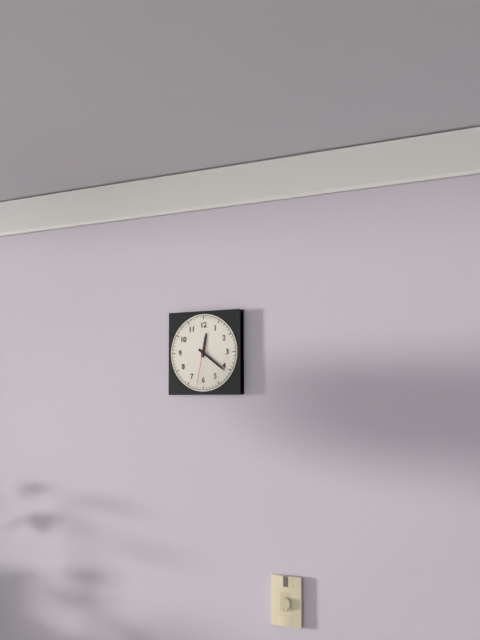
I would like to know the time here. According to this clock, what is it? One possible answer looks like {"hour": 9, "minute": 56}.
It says {"hour": 12, "minute": 21}
